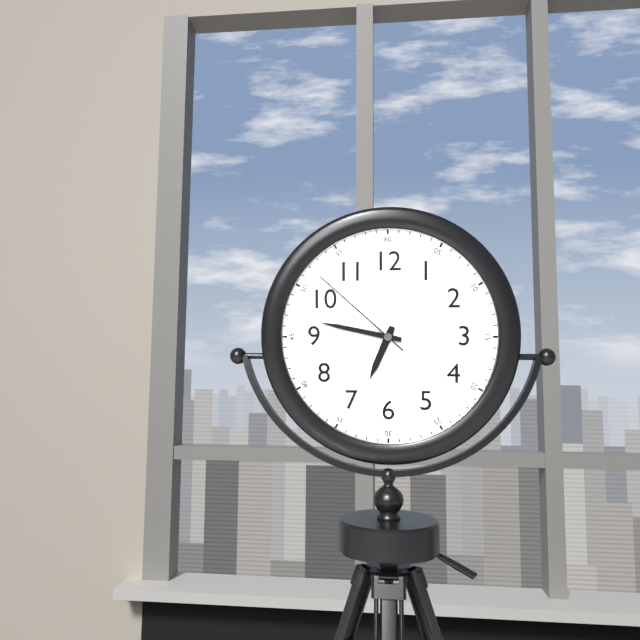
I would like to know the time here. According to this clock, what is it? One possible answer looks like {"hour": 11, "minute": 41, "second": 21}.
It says {"hour": 6, "minute": 47, "second": 52}
